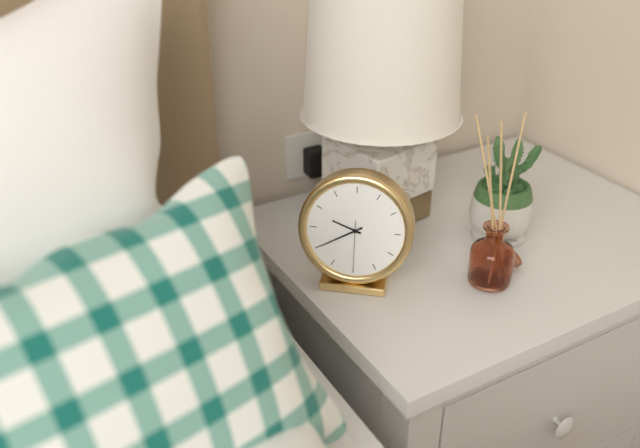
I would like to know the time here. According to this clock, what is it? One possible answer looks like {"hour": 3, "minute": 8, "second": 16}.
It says {"hour": 9, "minute": 40, "second": 30}
